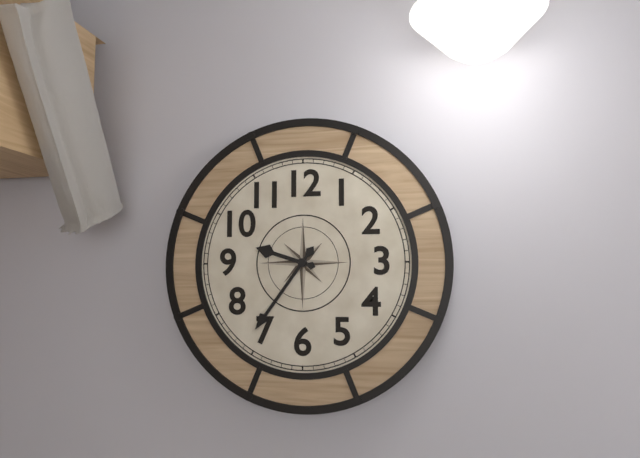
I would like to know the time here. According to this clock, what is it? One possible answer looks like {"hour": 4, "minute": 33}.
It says {"hour": 9, "minute": 36}
